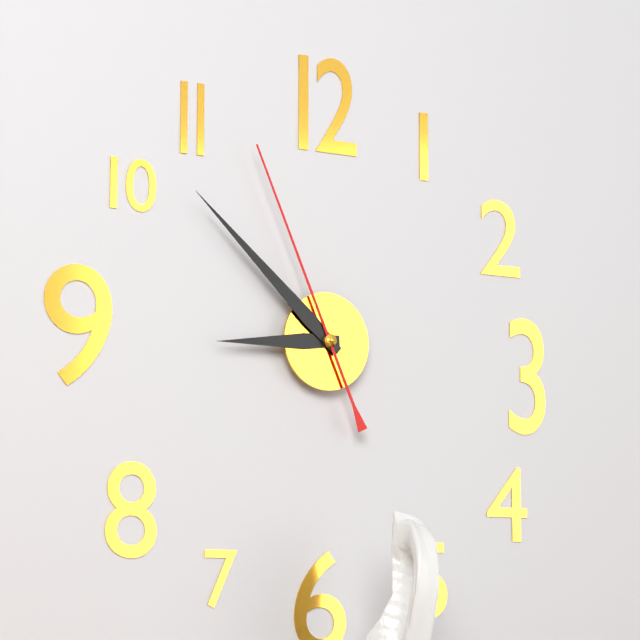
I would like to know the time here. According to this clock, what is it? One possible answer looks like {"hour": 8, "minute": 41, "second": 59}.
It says {"hour": 8, "minute": 52, "second": 56}
